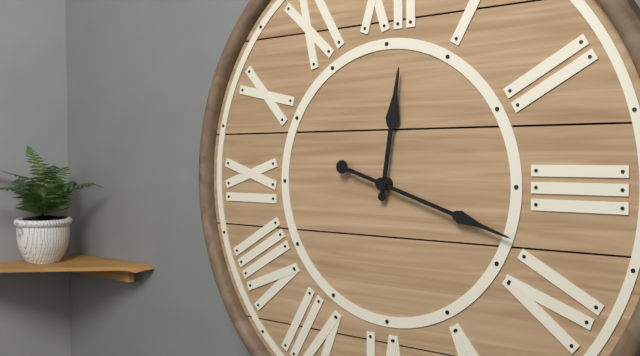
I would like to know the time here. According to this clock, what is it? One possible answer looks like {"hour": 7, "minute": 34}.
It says {"hour": 12, "minute": 18}
